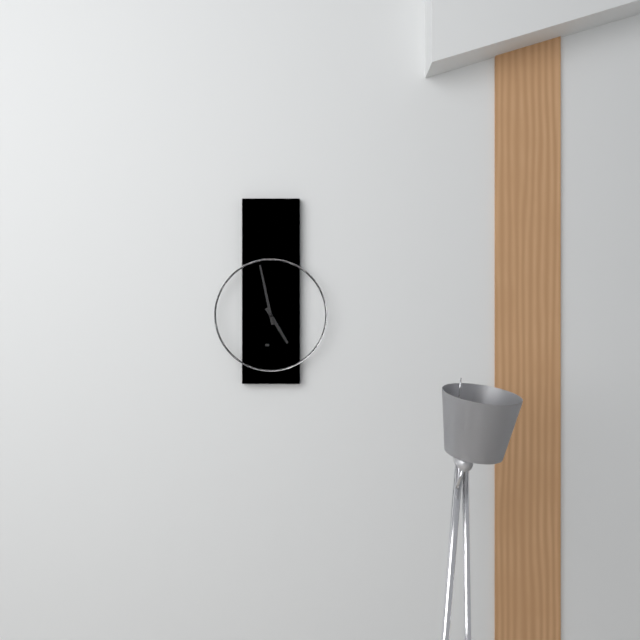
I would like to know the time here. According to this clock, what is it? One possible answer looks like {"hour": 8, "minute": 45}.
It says {"hour": 4, "minute": 58}
